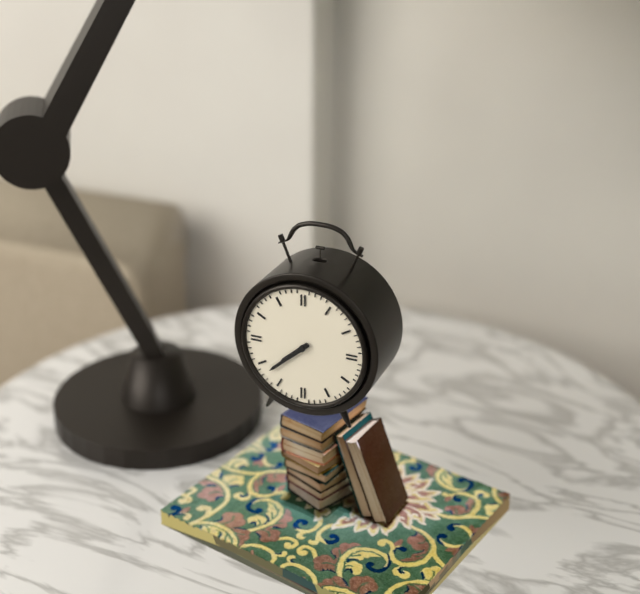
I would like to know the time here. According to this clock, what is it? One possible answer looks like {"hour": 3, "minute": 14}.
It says {"hour": 7, "minute": 38}
